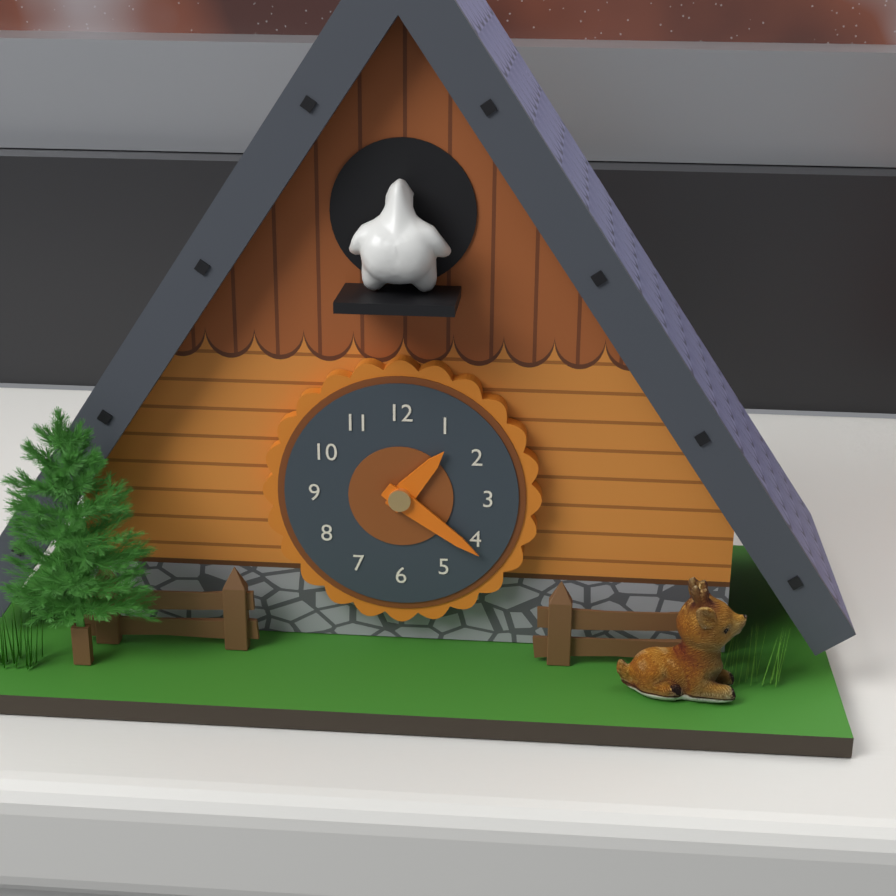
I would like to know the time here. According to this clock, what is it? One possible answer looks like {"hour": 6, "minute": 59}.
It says {"hour": 1, "minute": 21}
